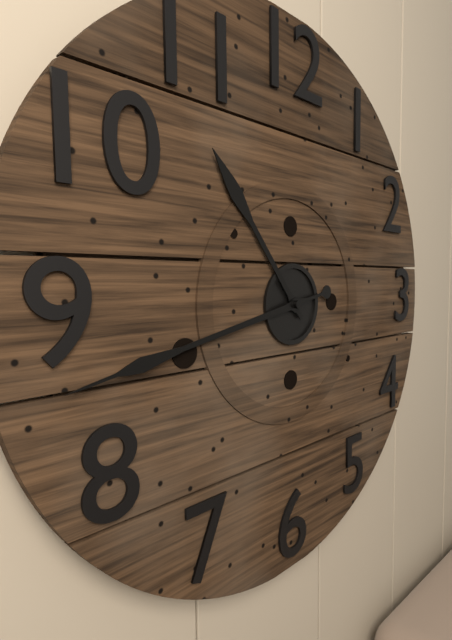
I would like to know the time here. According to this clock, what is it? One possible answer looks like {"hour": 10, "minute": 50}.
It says {"hour": 10, "minute": 43}
